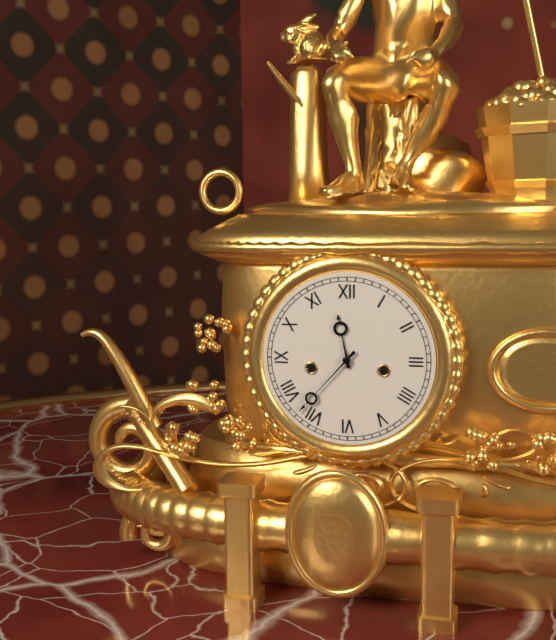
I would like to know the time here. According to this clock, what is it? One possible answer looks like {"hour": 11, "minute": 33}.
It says {"hour": 11, "minute": 37}
